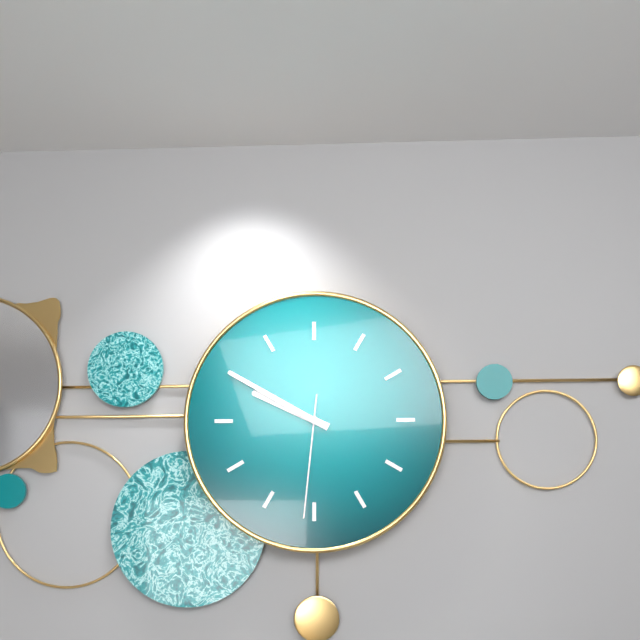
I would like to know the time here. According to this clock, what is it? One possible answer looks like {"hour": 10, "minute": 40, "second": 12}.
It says {"hour": 9, "minute": 50, "second": 31}
